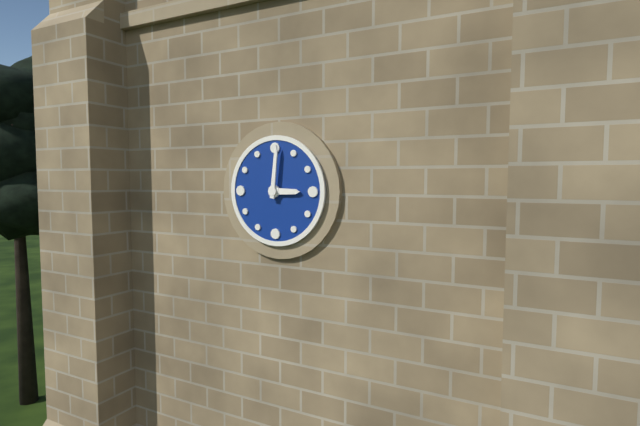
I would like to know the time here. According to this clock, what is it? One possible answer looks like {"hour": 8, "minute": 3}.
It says {"hour": 3, "minute": 1}
